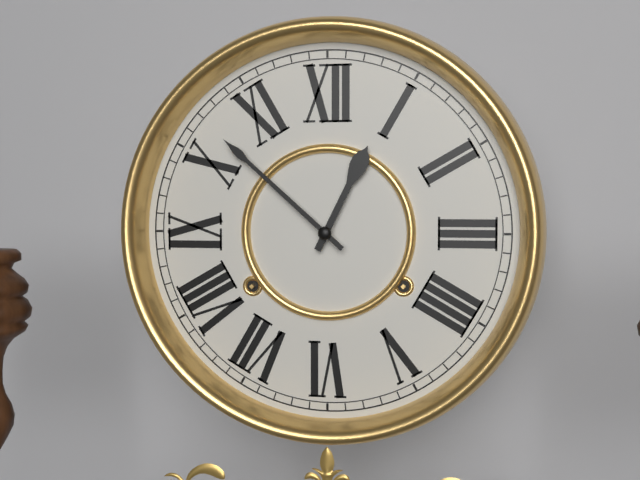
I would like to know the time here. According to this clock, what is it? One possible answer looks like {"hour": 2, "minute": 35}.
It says {"hour": 12, "minute": 52}
